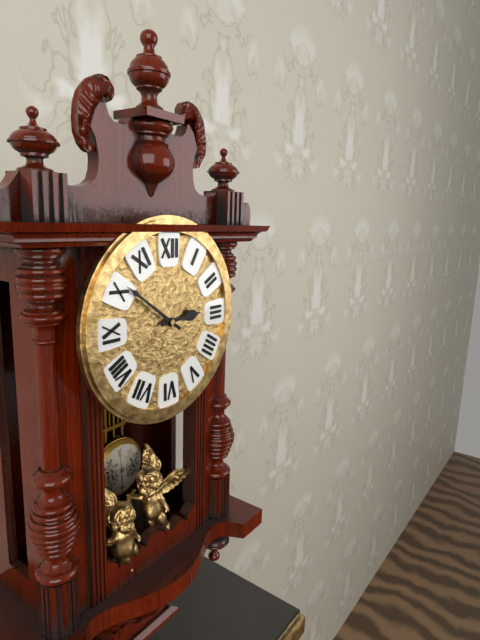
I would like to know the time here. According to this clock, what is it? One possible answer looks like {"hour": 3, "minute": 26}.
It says {"hour": 2, "minute": 51}
